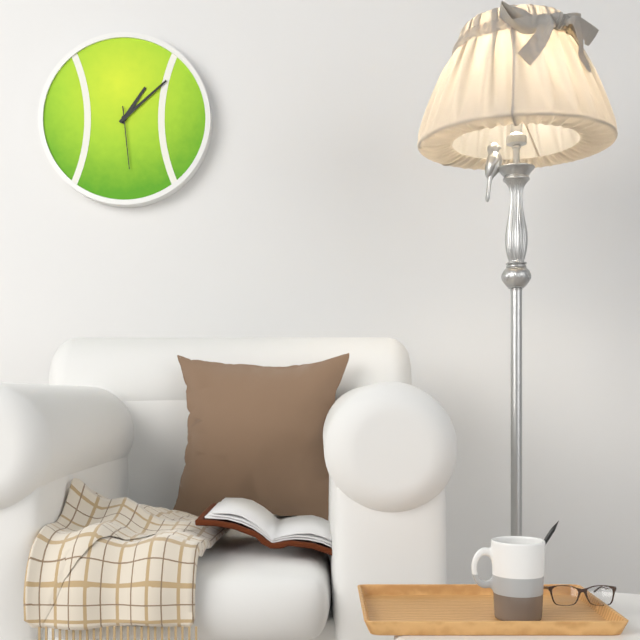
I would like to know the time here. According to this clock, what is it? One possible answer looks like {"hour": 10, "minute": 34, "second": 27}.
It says {"hour": 1, "minute": 8, "second": 29}
